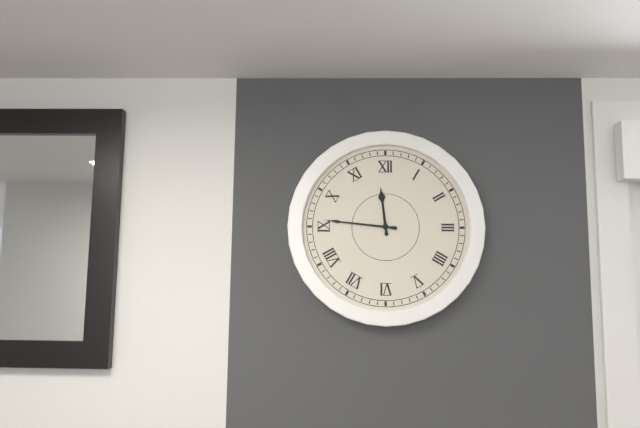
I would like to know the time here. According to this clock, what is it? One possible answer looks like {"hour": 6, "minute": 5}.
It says {"hour": 11, "minute": 46}
